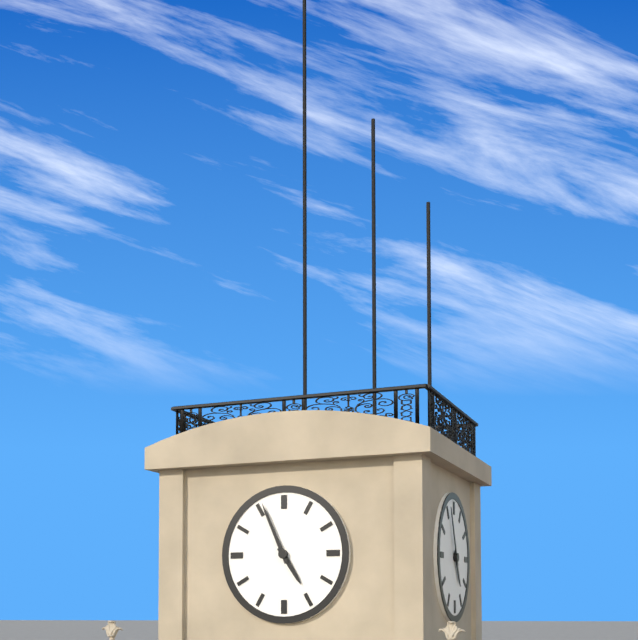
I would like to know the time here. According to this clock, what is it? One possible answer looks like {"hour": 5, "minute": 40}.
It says {"hour": 4, "minute": 56}
